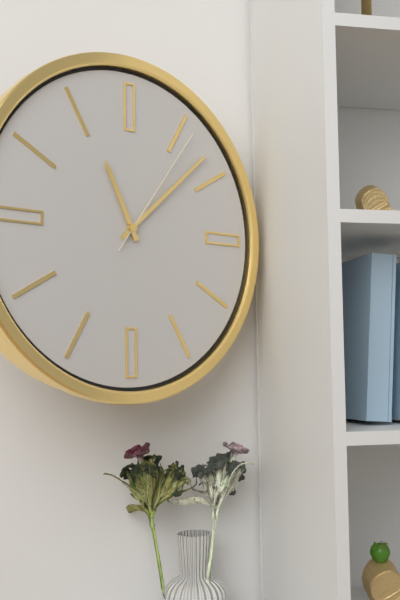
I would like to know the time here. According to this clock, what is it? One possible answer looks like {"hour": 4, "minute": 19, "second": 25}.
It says {"hour": 11, "minute": 8, "second": 6}
